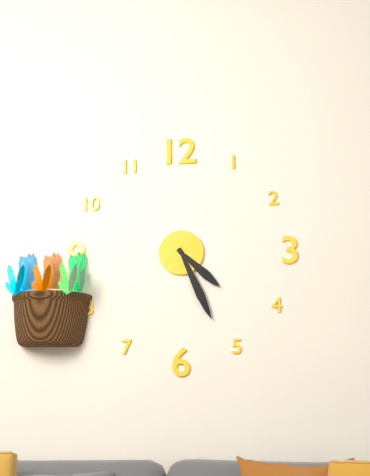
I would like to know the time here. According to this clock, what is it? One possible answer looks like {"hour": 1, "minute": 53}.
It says {"hour": 4, "minute": 26}
